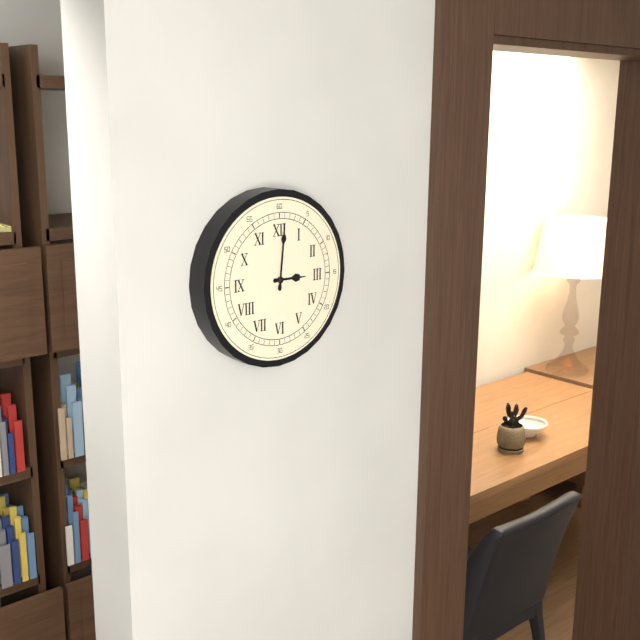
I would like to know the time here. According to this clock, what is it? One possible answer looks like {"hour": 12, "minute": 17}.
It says {"hour": 3, "minute": 1}
